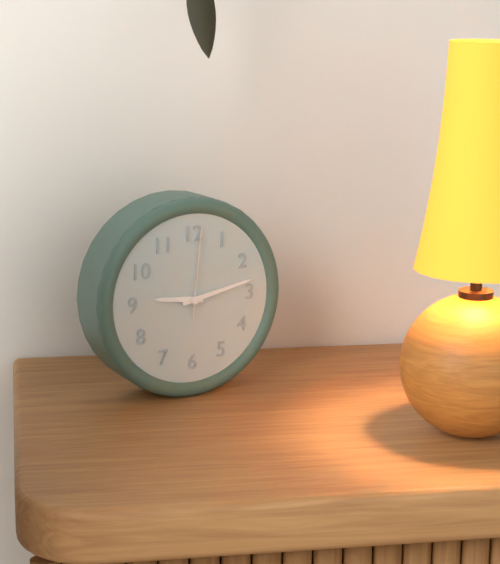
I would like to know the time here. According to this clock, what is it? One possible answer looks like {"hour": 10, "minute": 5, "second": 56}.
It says {"hour": 9, "minute": 13, "second": 1}
